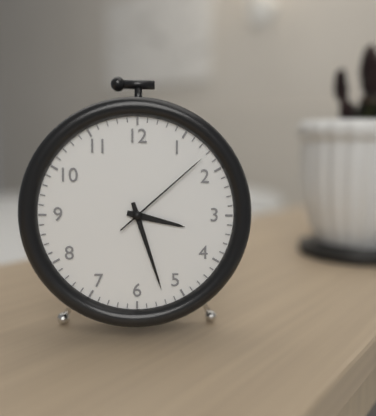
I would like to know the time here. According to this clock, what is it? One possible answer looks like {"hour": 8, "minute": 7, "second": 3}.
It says {"hour": 3, "minute": 27, "second": 8}
